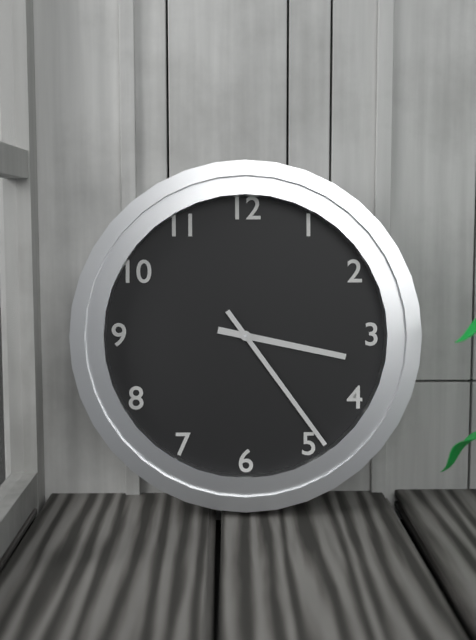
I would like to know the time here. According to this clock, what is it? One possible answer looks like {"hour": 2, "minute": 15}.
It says {"hour": 3, "minute": 24}
